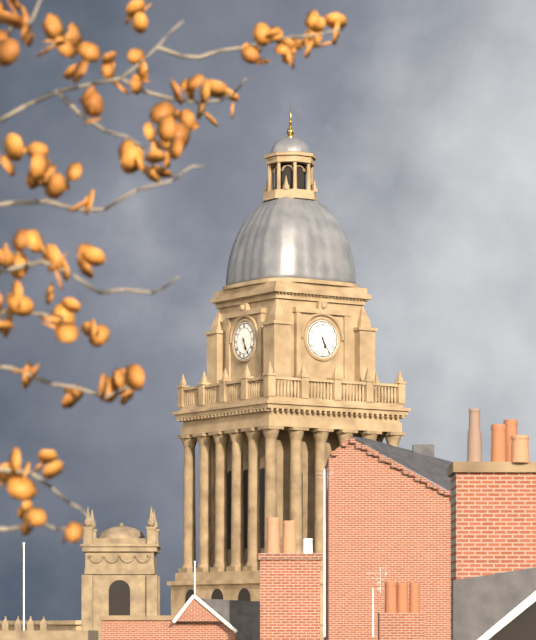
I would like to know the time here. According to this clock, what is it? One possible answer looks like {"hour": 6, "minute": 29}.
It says {"hour": 5, "minute": 25}
